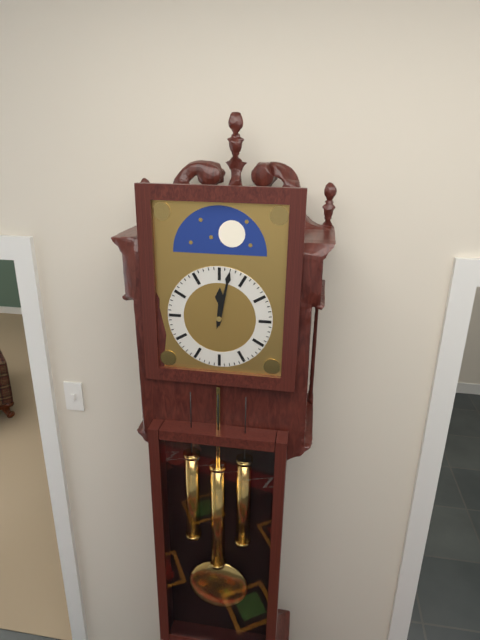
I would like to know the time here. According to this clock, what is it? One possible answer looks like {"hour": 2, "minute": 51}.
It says {"hour": 12, "minute": 2}
